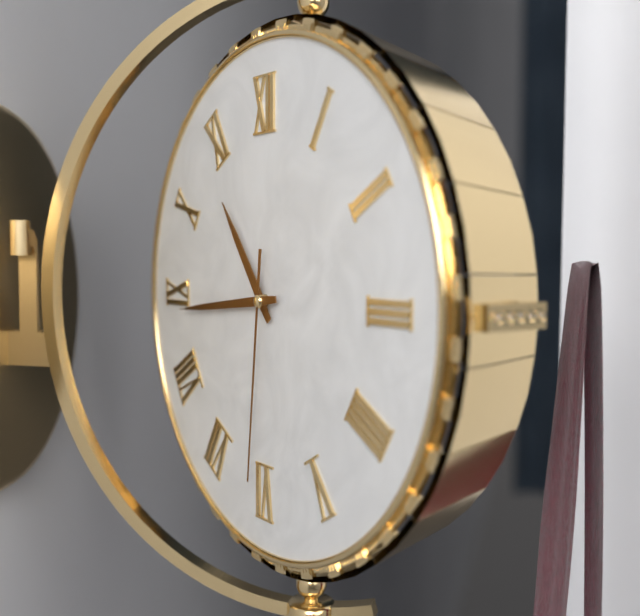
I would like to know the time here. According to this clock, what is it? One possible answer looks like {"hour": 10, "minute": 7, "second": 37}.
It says {"hour": 10, "minute": 44, "second": 31}
